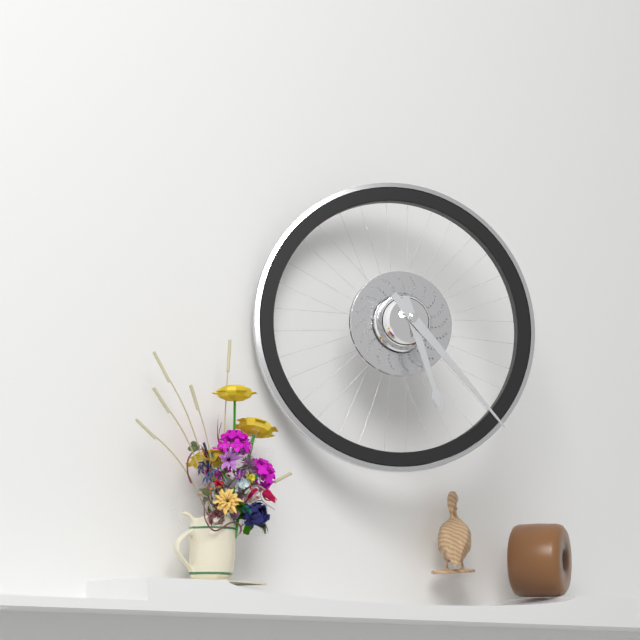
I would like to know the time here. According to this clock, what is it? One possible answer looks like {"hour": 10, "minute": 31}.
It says {"hour": 5, "minute": 23}
